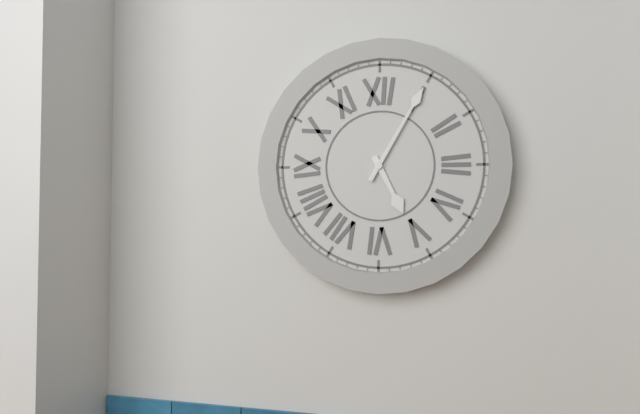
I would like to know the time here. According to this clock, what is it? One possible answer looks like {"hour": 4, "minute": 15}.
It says {"hour": 5, "minute": 5}
